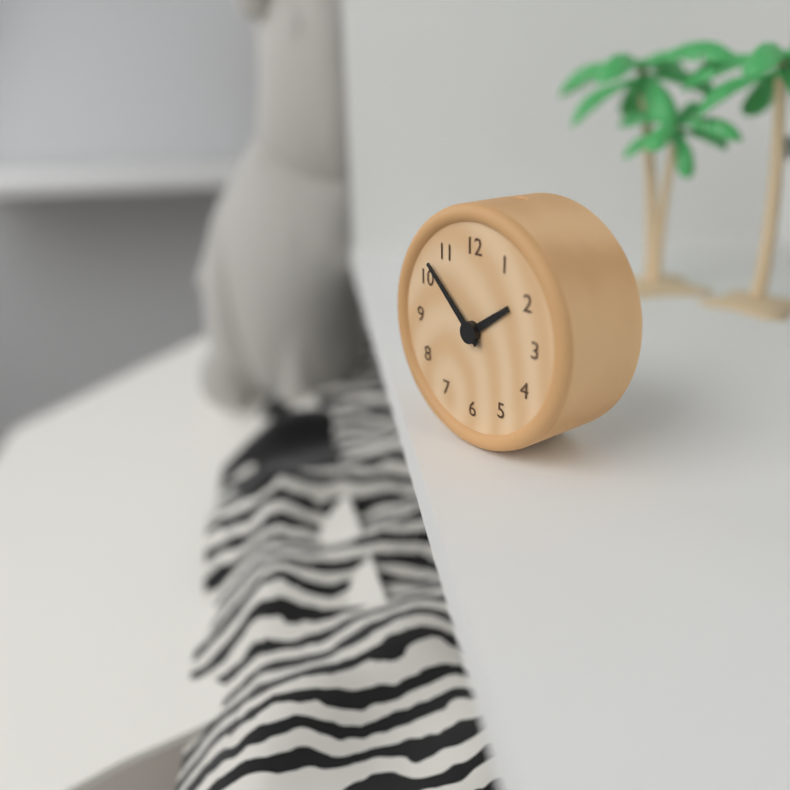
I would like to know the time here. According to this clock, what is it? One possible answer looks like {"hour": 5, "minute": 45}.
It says {"hour": 1, "minute": 52}
